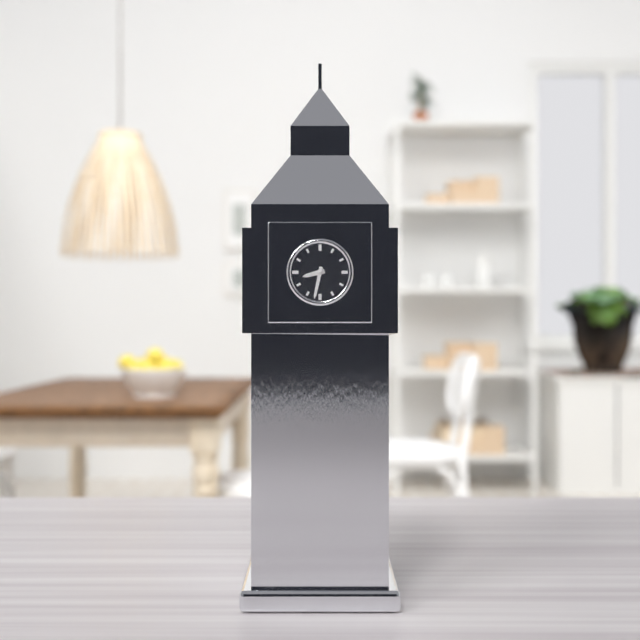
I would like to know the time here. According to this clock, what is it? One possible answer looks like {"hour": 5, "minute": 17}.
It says {"hour": 8, "minute": 32}
